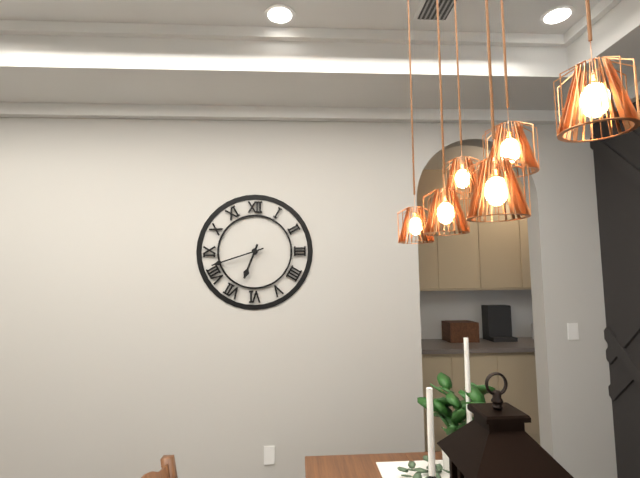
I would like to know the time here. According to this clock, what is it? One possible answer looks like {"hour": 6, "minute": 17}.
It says {"hour": 6, "minute": 42}
